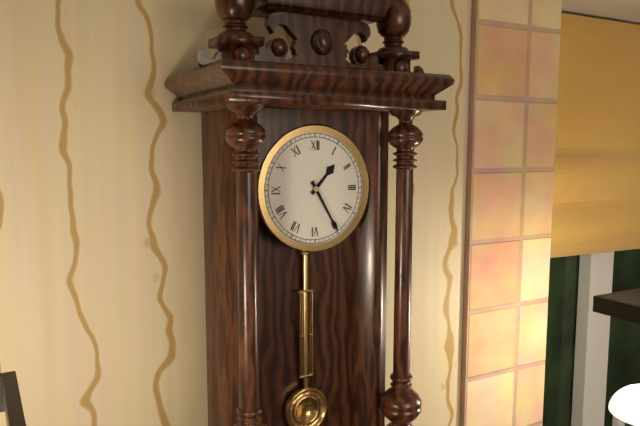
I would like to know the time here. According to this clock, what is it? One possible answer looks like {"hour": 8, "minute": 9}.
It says {"hour": 1, "minute": 25}
